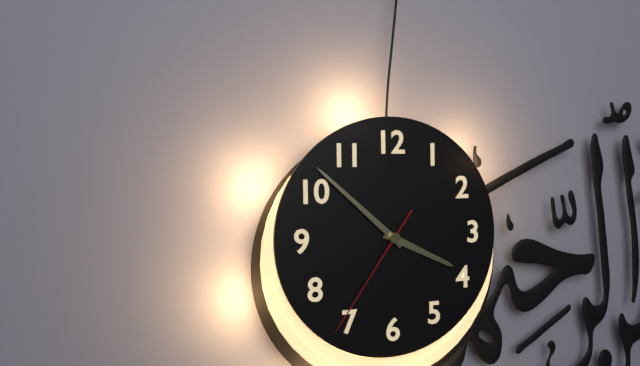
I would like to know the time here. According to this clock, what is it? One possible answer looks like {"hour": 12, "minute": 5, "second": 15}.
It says {"hour": 3, "minute": 52, "second": 36}
